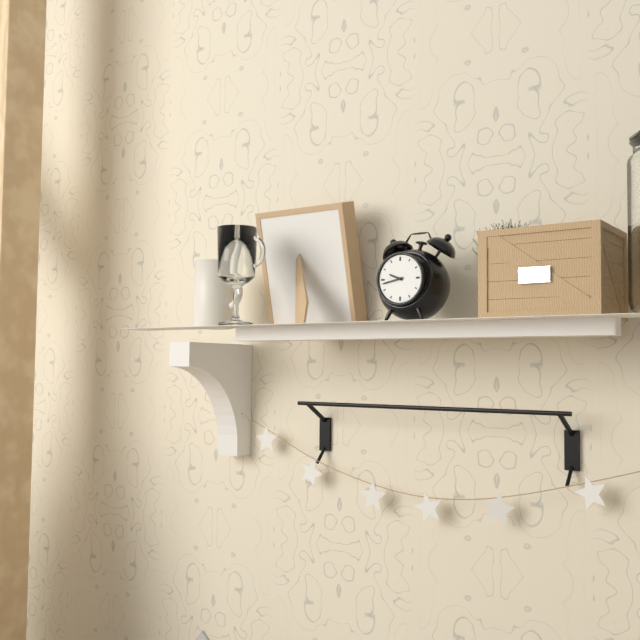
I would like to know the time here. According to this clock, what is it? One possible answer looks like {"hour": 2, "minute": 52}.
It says {"hour": 9, "minute": 43}
